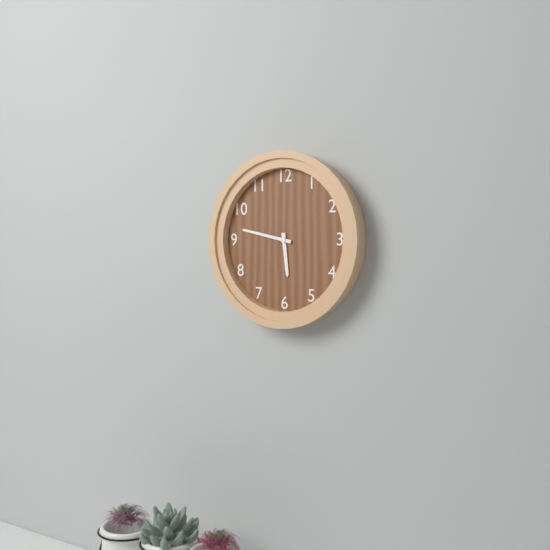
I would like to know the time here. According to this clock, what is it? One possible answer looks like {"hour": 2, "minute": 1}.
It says {"hour": 5, "minute": 47}
